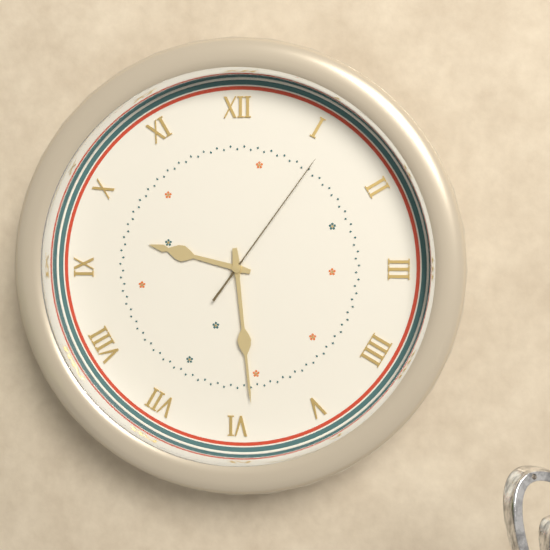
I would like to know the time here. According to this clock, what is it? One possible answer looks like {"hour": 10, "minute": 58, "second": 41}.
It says {"hour": 9, "minute": 29, "second": 6}
